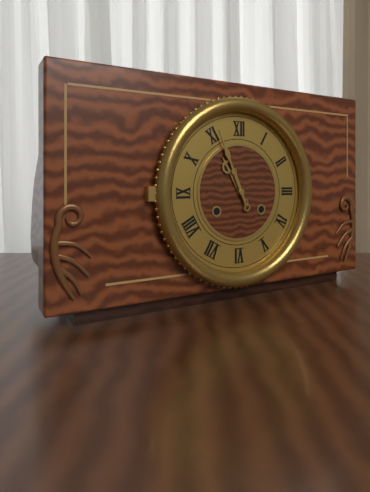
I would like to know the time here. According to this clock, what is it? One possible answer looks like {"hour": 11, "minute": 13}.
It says {"hour": 10, "minute": 56}
